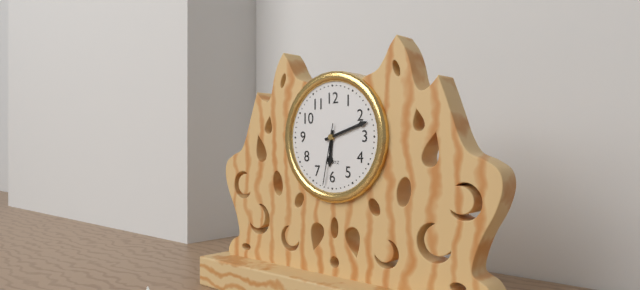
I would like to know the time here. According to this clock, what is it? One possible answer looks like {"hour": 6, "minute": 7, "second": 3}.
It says {"hour": 6, "minute": 12, "second": 32}
